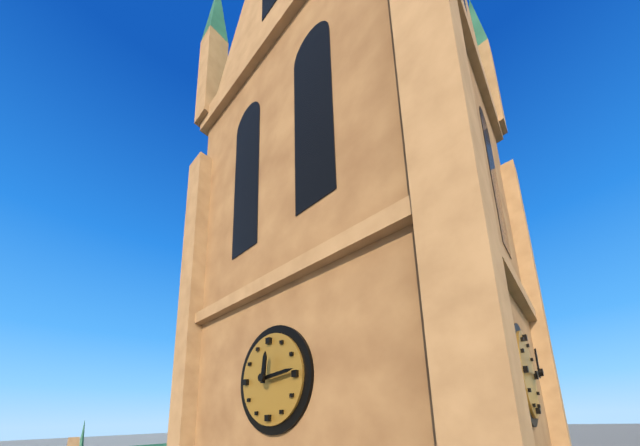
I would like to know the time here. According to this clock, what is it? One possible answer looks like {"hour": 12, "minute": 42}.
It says {"hour": 12, "minute": 14}
